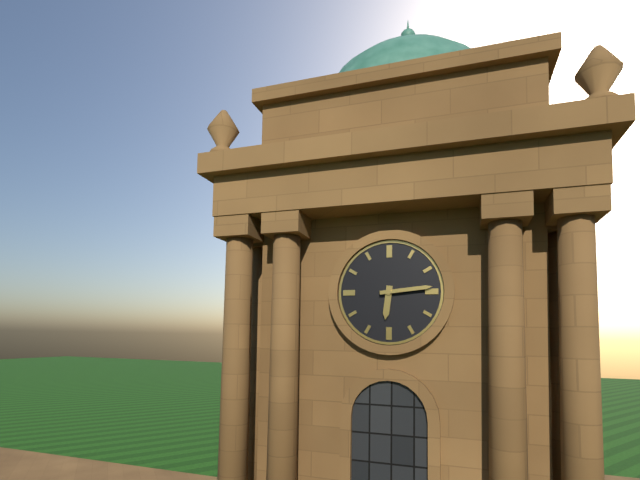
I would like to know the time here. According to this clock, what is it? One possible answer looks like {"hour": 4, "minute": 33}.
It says {"hour": 6, "minute": 14}
